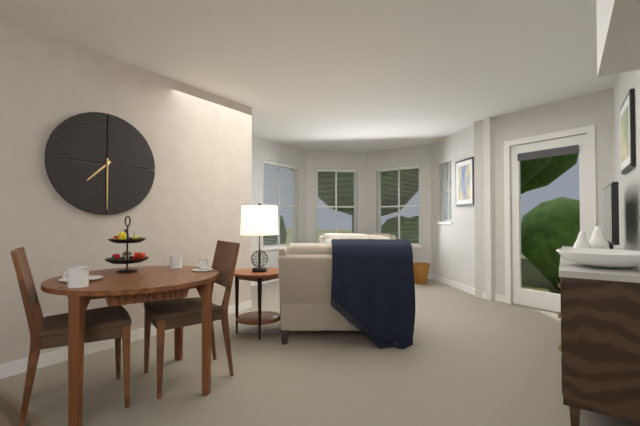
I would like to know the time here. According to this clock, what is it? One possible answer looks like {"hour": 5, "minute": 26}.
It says {"hour": 7, "minute": 30}
